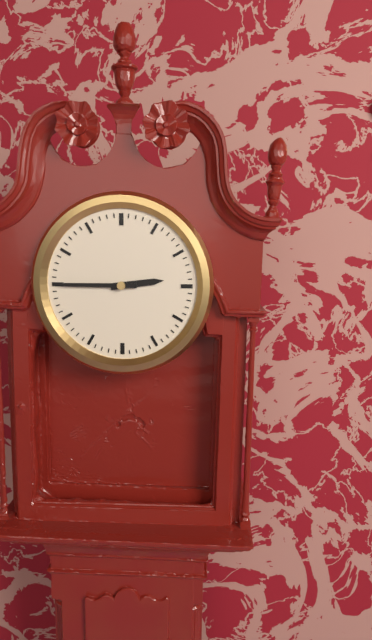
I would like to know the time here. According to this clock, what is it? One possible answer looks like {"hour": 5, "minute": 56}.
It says {"hour": 2, "minute": 45}
